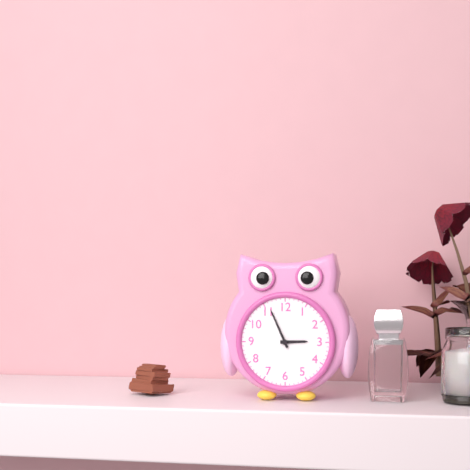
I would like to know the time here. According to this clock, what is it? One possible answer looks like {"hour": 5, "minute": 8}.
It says {"hour": 2, "minute": 56}
